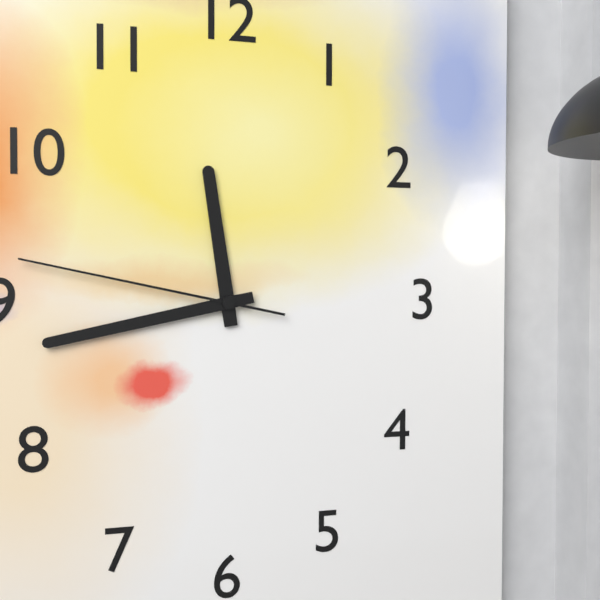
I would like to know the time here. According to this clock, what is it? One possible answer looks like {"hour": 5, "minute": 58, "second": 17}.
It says {"hour": 11, "minute": 43, "second": 47}
